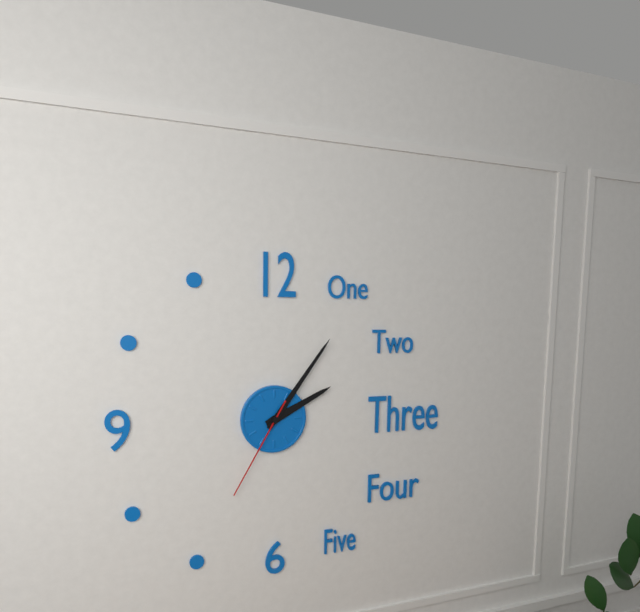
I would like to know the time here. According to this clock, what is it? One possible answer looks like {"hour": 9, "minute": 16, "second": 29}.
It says {"hour": 2, "minute": 6, "second": 35}
